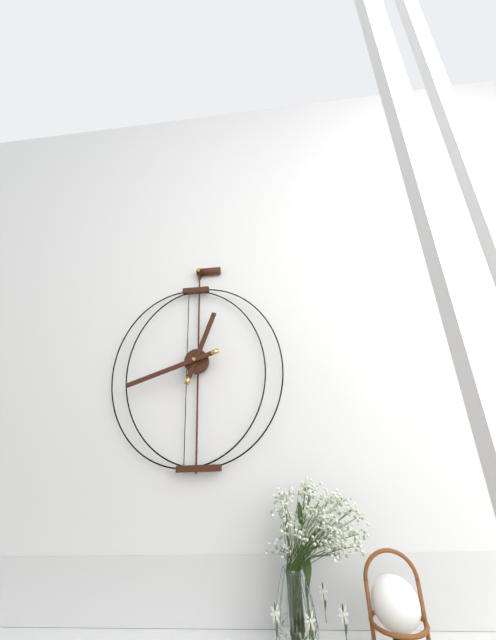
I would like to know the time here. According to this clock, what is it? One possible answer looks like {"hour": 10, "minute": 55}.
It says {"hour": 12, "minute": 42}
